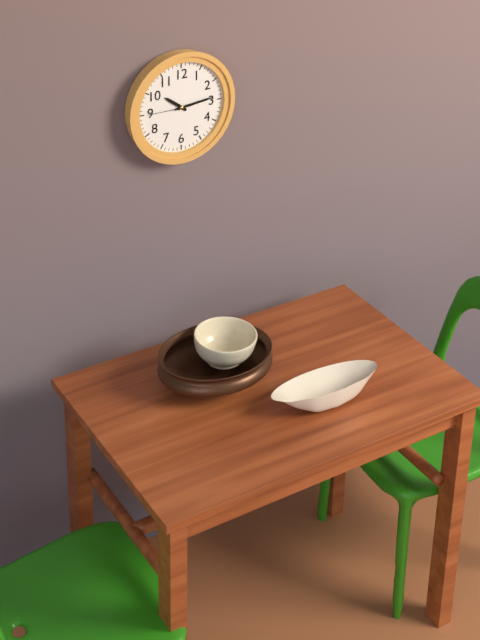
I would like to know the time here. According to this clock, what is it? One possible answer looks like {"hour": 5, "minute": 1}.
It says {"hour": 10, "minute": 14}
